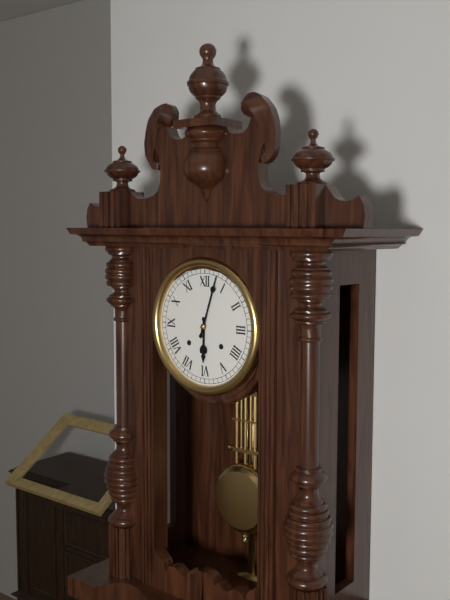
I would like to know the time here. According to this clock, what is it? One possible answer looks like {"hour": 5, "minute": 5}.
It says {"hour": 6, "minute": 3}
